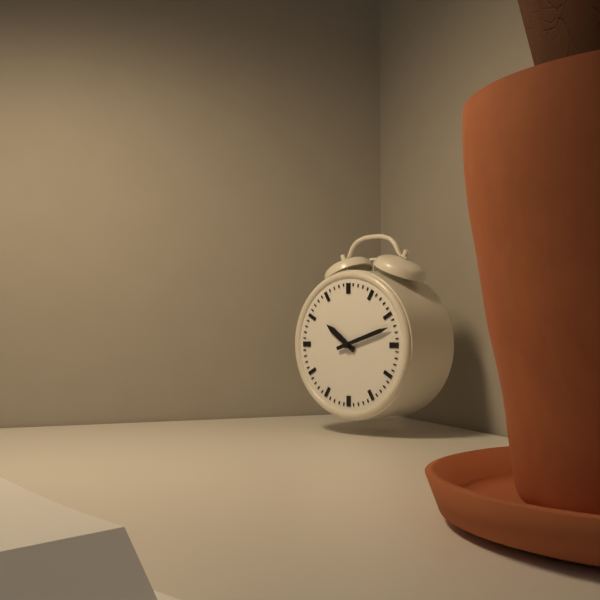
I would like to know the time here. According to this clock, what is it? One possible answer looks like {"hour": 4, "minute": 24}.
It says {"hour": 10, "minute": 12}
